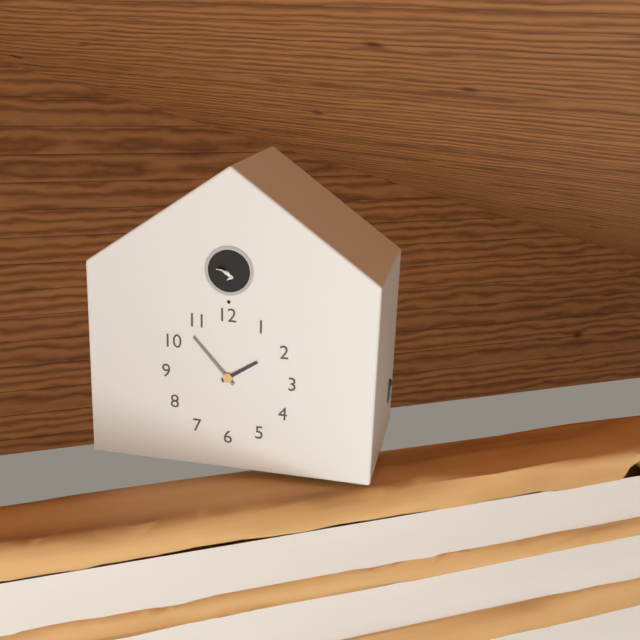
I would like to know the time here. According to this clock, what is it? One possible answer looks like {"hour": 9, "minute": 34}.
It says {"hour": 1, "minute": 53}
